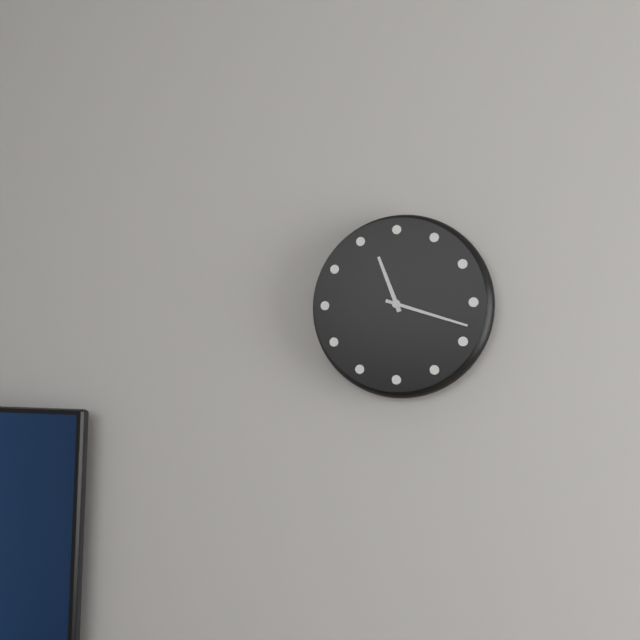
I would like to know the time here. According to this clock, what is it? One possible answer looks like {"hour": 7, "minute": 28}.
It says {"hour": 11, "minute": 18}
